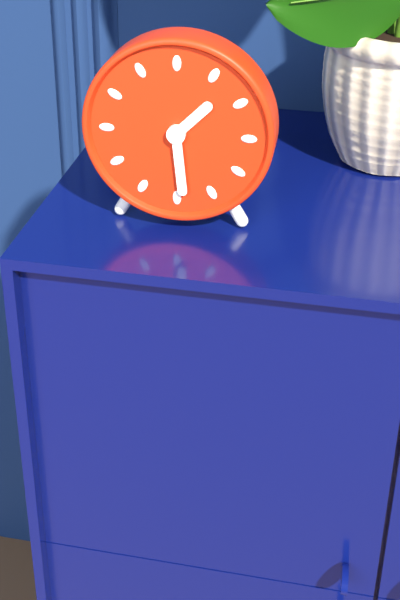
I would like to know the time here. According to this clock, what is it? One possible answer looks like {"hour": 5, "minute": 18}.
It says {"hour": 1, "minute": 29}
